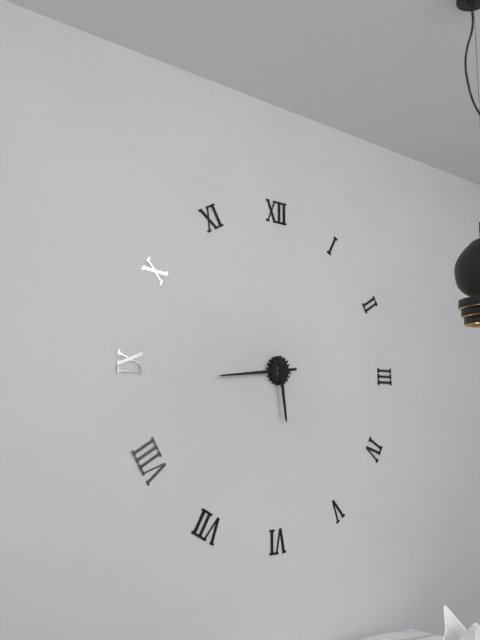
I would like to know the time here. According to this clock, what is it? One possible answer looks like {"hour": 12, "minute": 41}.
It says {"hour": 5, "minute": 44}
